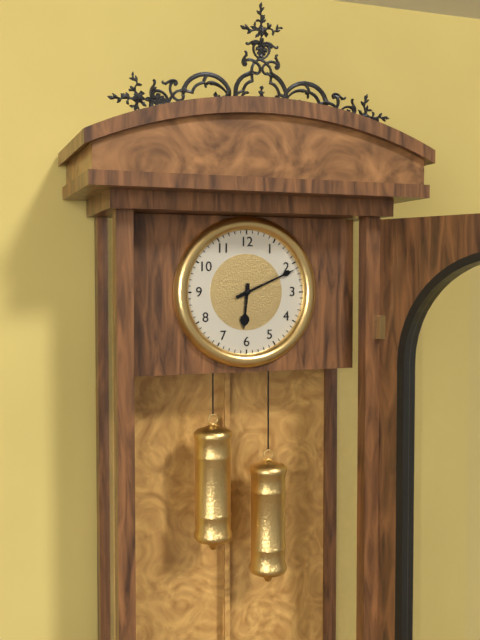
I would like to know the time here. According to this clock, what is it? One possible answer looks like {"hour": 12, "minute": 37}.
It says {"hour": 6, "minute": 11}
